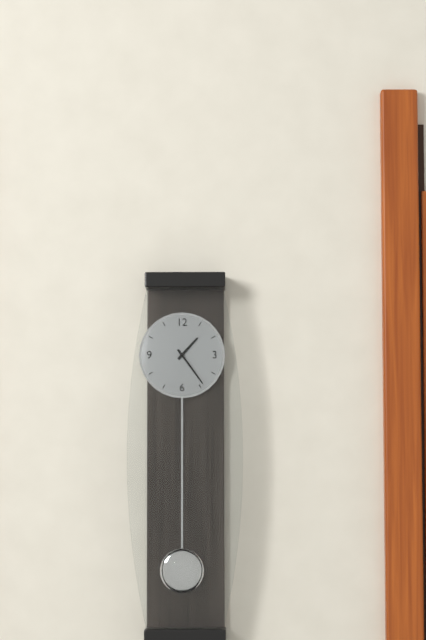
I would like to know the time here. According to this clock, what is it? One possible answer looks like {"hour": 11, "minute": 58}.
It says {"hour": 1, "minute": 24}
